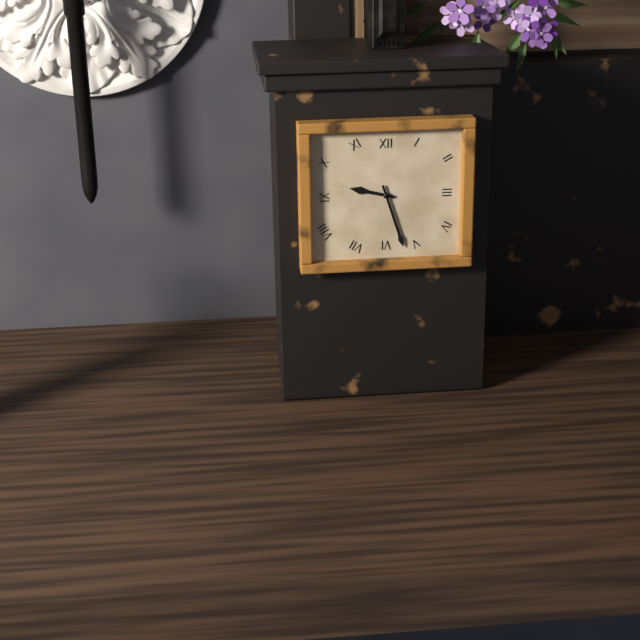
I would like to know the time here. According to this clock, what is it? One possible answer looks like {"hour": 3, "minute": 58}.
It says {"hour": 9, "minute": 27}
